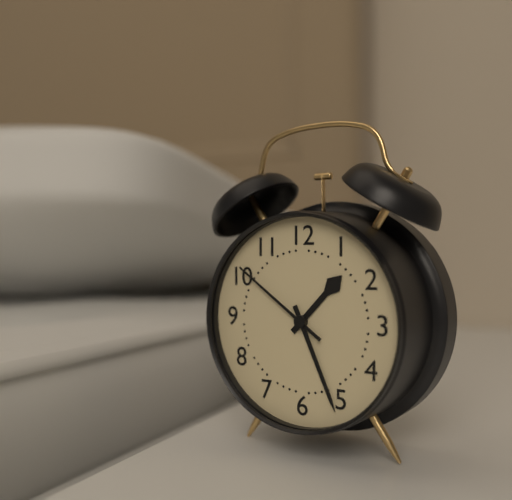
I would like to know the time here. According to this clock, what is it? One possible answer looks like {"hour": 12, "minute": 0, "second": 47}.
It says {"hour": 1, "minute": 26, "second": 51}
